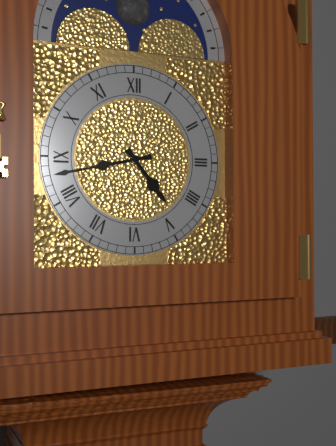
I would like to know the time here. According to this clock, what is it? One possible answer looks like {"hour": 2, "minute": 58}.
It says {"hour": 4, "minute": 43}
